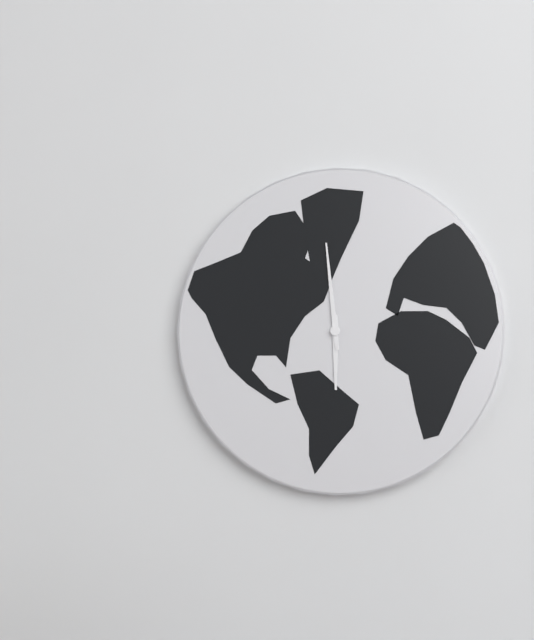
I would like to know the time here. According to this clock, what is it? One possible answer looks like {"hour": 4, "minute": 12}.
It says {"hour": 5, "minute": 59}
